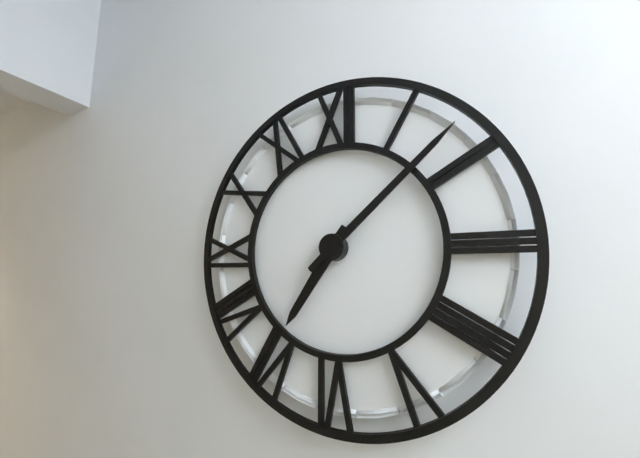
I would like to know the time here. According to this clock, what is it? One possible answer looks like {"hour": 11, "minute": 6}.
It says {"hour": 7, "minute": 8}
